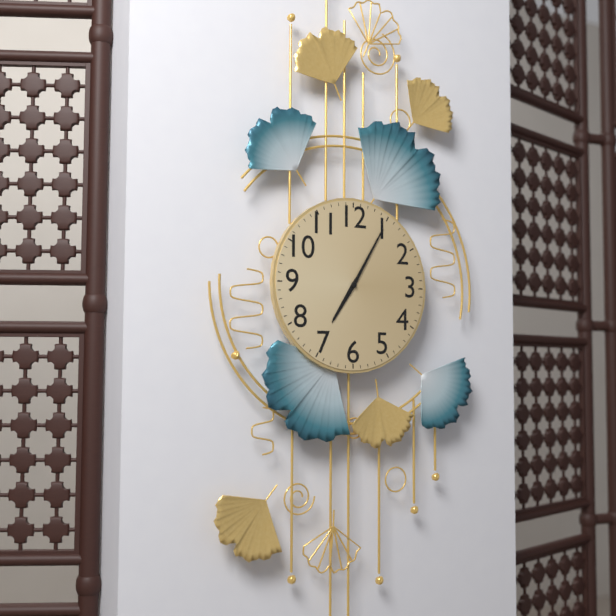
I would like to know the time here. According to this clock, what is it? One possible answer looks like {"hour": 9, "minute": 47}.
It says {"hour": 7, "minute": 5}
